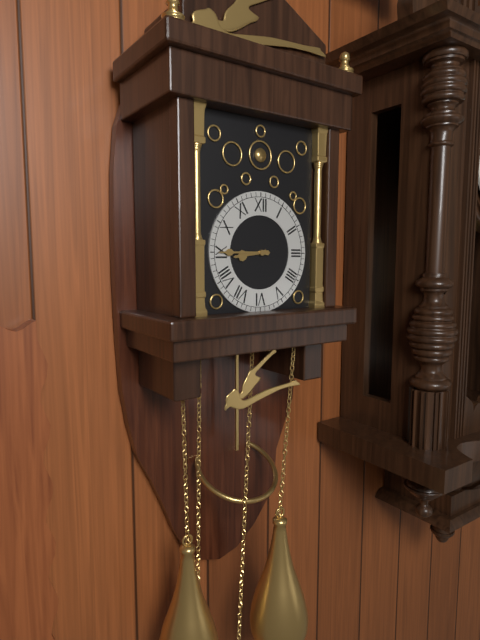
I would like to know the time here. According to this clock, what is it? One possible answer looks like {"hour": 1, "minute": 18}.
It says {"hour": 8, "minute": 45}
